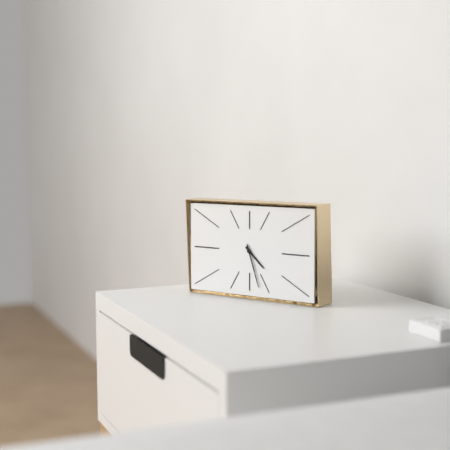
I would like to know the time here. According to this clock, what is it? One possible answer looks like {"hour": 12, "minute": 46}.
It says {"hour": 4, "minute": 27}
